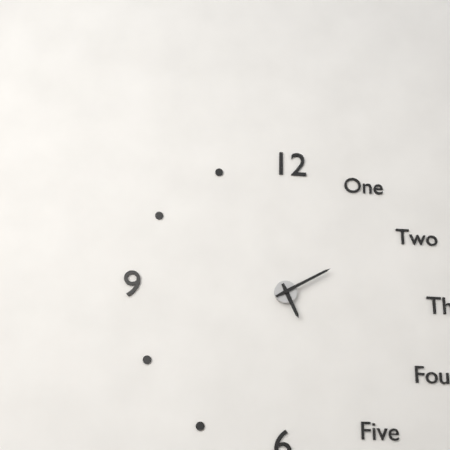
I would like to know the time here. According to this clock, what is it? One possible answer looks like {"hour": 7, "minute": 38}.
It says {"hour": 5, "minute": 10}
